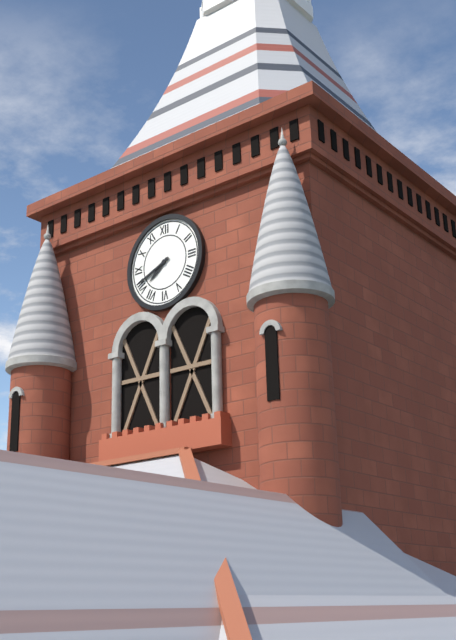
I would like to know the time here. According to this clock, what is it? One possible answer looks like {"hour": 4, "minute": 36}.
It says {"hour": 7, "minute": 41}
